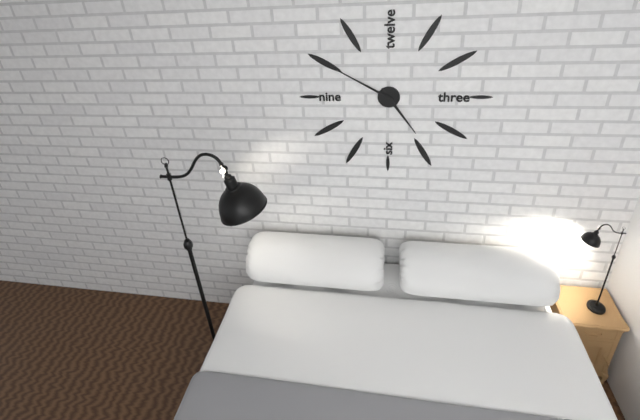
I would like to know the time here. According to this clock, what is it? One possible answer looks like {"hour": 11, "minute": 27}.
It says {"hour": 4, "minute": 50}
